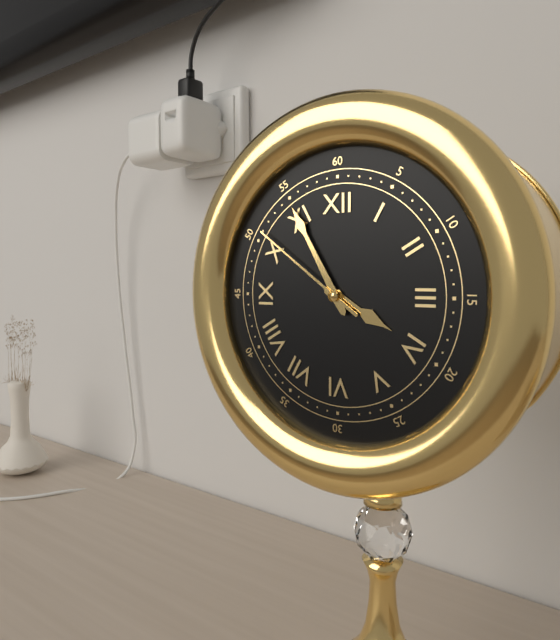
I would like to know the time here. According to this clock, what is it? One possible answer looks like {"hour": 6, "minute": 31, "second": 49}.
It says {"hour": 3, "minute": 55, "second": 51}
